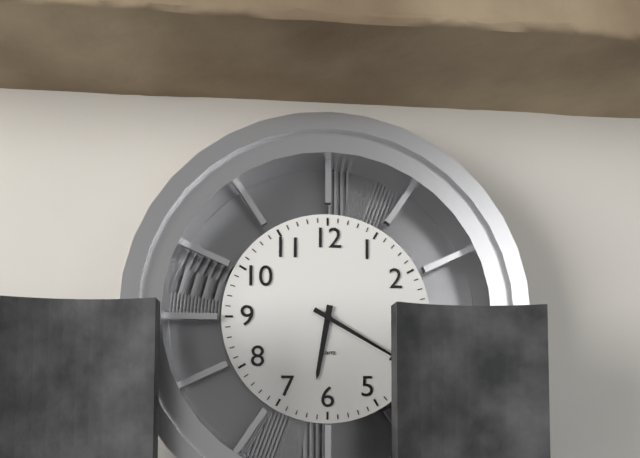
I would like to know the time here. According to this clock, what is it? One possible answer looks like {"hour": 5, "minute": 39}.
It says {"hour": 6, "minute": 20}
